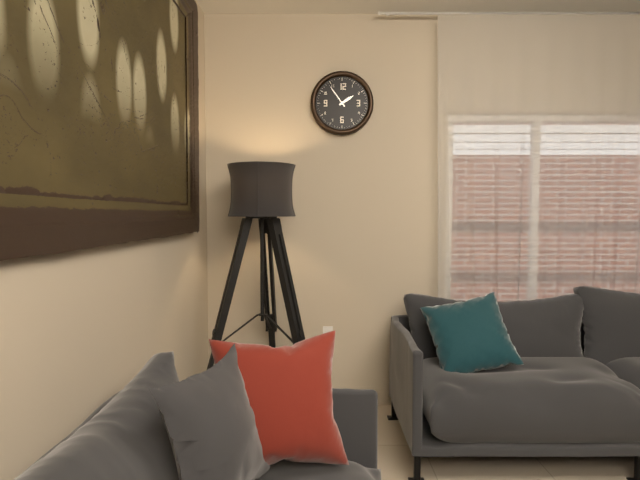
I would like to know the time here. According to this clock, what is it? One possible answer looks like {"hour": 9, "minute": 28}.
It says {"hour": 1, "minute": 54}
